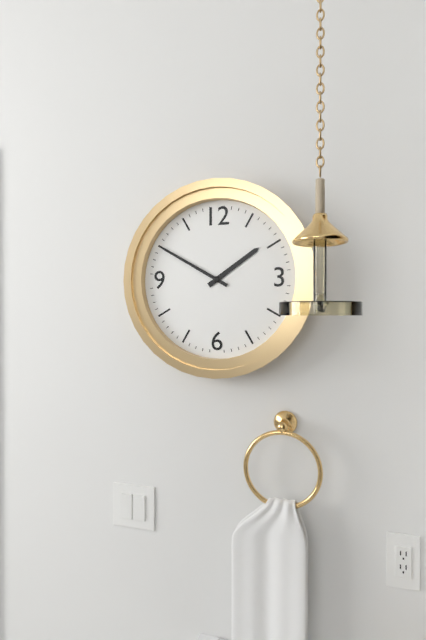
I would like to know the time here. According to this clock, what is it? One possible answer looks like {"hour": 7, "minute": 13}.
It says {"hour": 1, "minute": 50}
